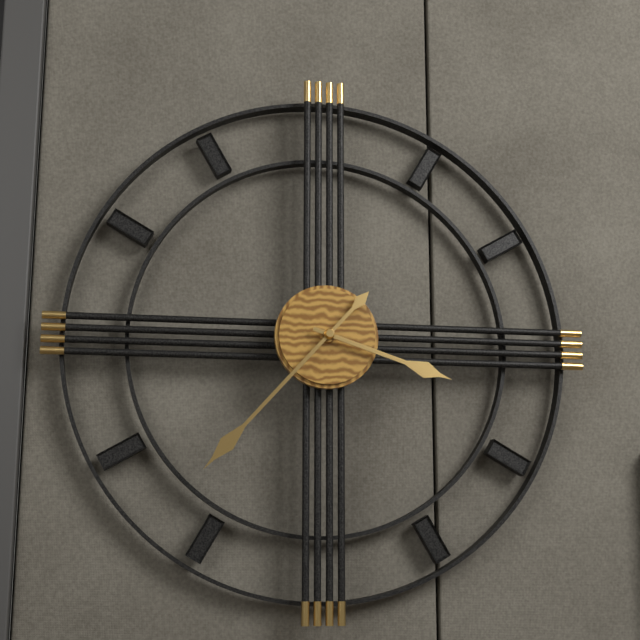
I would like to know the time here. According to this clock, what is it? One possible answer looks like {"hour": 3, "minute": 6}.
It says {"hour": 3, "minute": 37}
